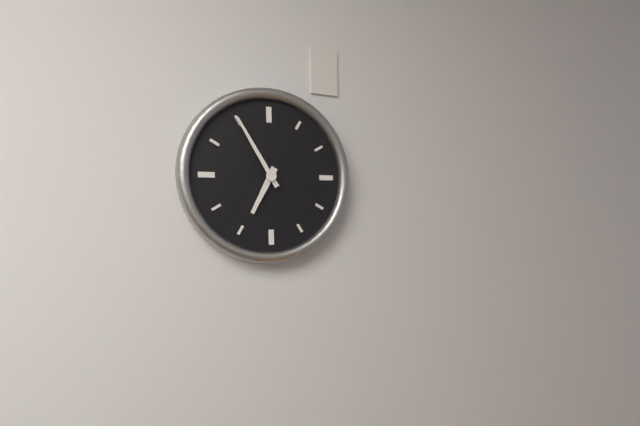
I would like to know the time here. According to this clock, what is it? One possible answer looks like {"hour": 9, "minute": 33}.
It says {"hour": 6, "minute": 55}
